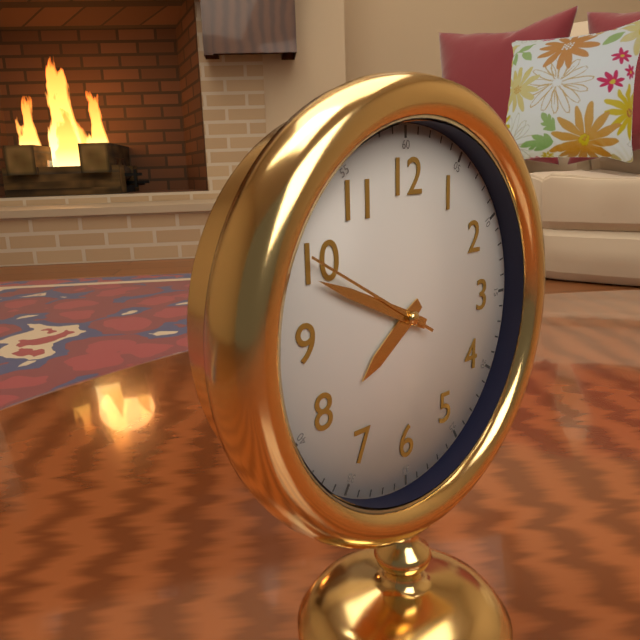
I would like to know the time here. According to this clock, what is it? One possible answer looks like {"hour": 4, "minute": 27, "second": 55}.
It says {"hour": 7, "minute": 49, "second": 50}
